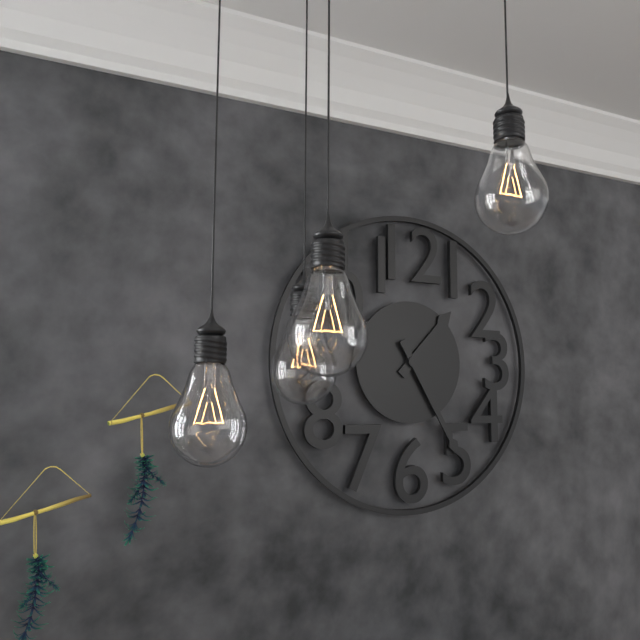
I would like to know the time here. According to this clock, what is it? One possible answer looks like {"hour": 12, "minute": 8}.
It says {"hour": 1, "minute": 25}
